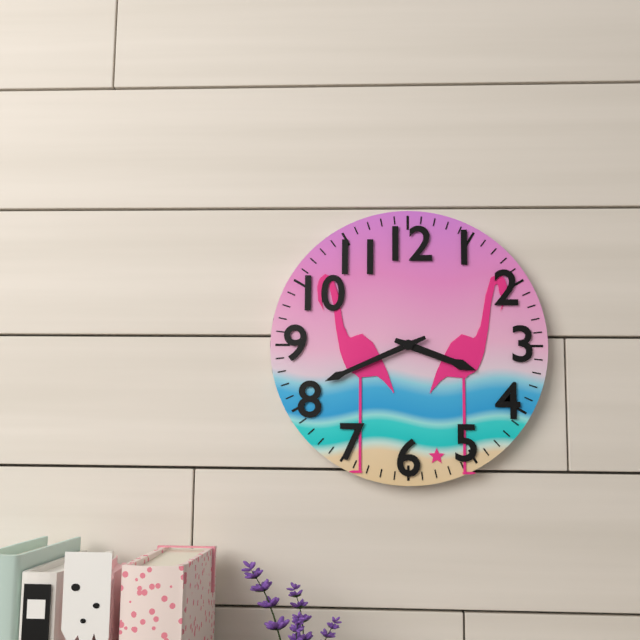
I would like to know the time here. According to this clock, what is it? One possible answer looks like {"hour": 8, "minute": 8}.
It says {"hour": 3, "minute": 41}
